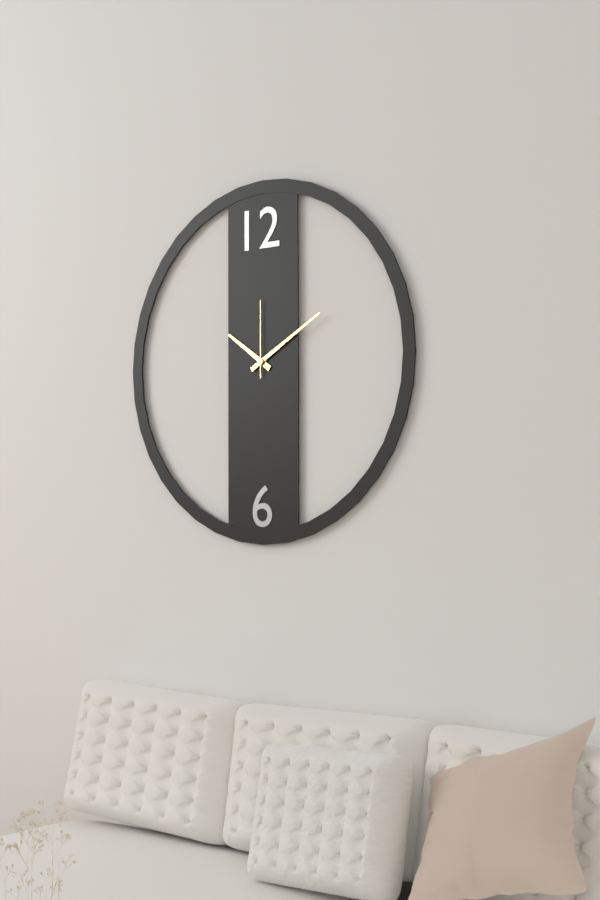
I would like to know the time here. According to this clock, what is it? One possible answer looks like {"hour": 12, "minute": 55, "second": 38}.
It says {"hour": 10, "minute": 10, "second": 0}
